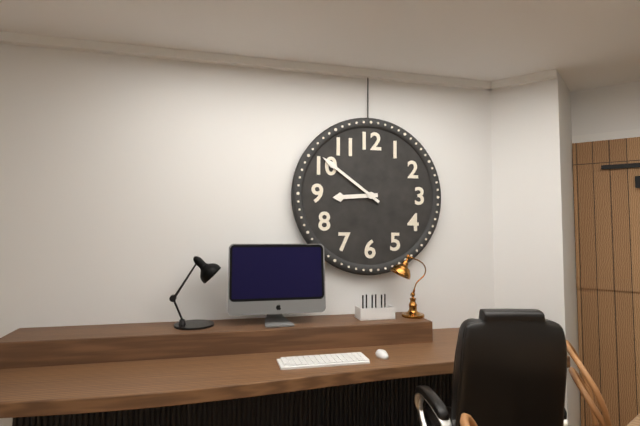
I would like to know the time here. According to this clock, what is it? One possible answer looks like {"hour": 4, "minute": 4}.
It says {"hour": 8, "minute": 51}
